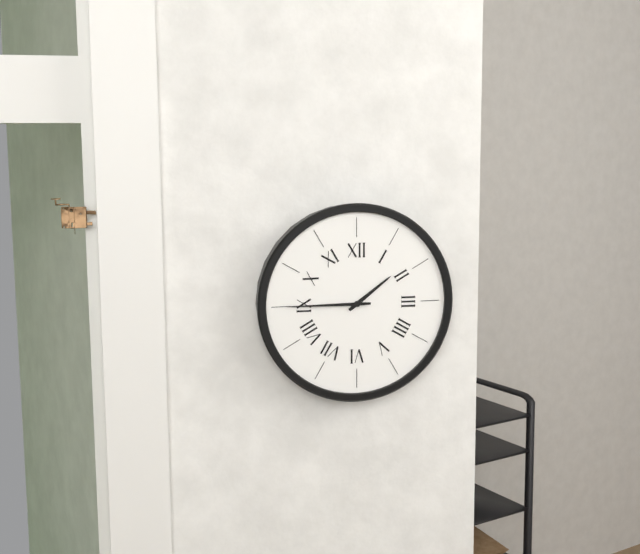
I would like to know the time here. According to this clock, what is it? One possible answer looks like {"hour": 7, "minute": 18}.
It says {"hour": 1, "minute": 45}
